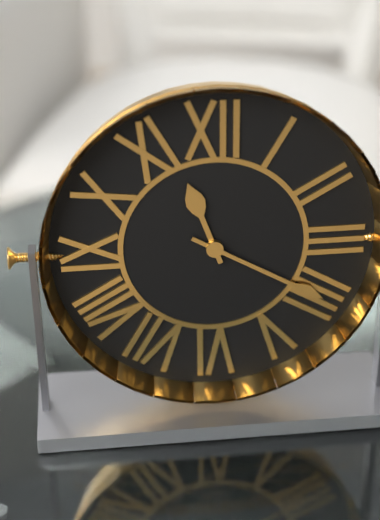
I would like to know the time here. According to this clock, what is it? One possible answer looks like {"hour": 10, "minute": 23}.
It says {"hour": 11, "minute": 20}
